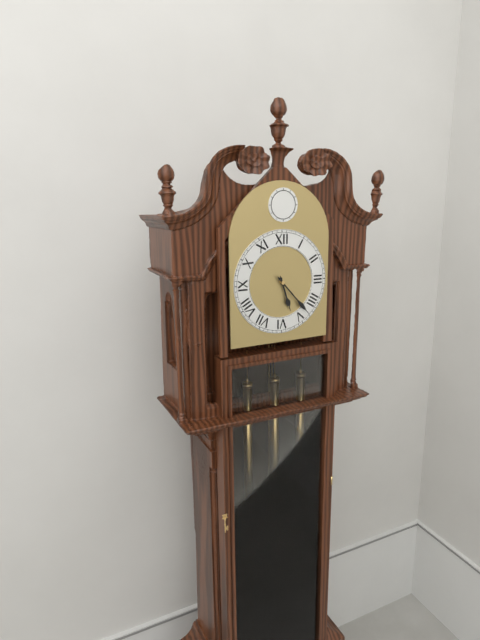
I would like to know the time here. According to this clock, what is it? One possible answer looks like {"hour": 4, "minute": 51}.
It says {"hour": 5, "minute": 23}
